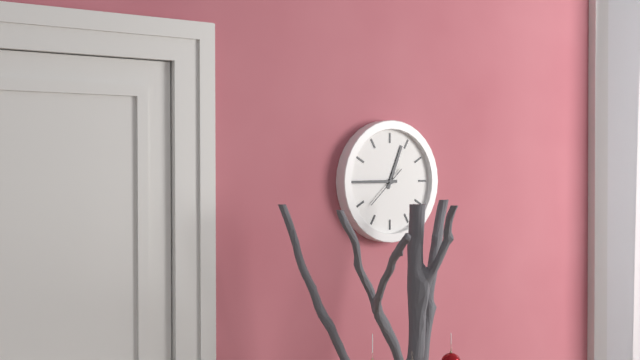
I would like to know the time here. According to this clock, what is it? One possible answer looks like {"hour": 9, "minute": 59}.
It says {"hour": 12, "minute": 45}
